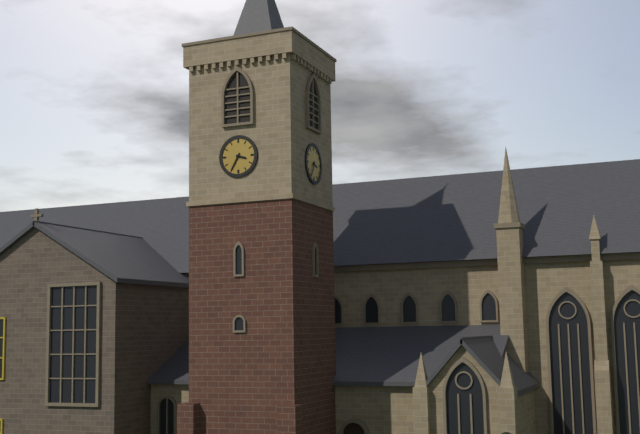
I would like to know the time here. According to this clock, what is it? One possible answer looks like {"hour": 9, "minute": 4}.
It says {"hour": 3, "minute": 35}
